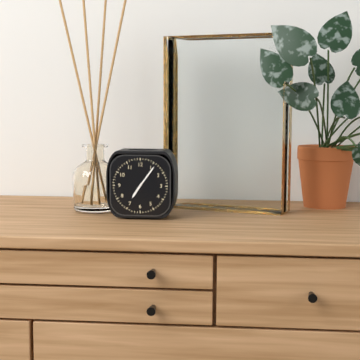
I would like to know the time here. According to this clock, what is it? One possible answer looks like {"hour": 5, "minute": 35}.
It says {"hour": 7, "minute": 6}
